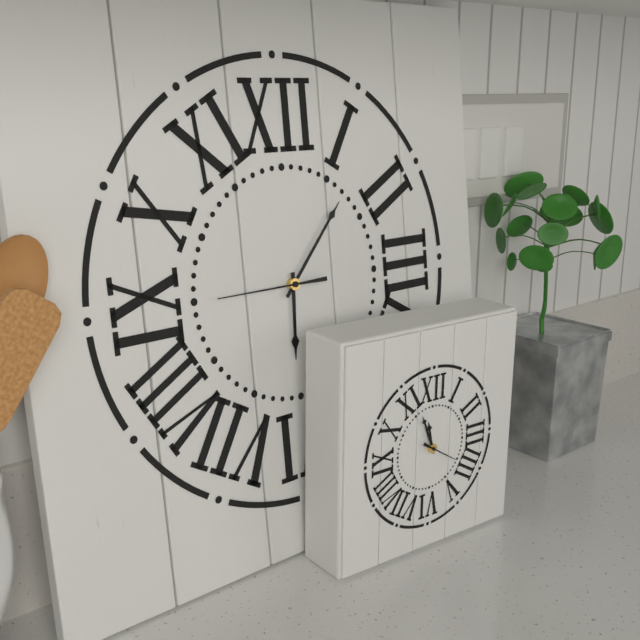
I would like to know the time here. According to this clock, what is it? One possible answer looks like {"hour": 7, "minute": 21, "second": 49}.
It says {"hour": 6, "minute": 7, "second": 45}
